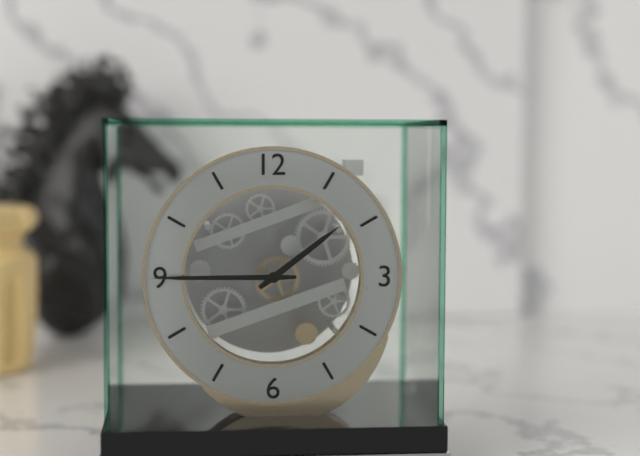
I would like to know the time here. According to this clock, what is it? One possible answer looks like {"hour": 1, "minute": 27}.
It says {"hour": 1, "minute": 45}
